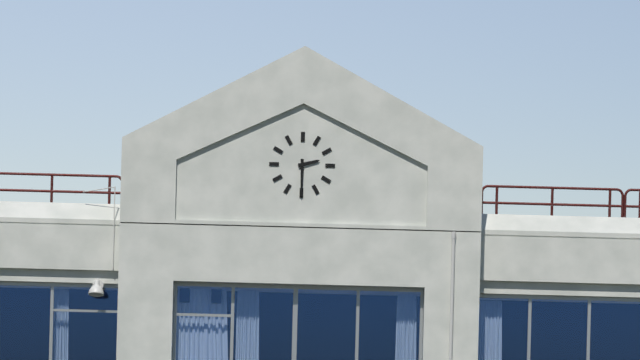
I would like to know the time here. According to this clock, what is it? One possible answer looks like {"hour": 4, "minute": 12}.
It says {"hour": 2, "minute": 30}
